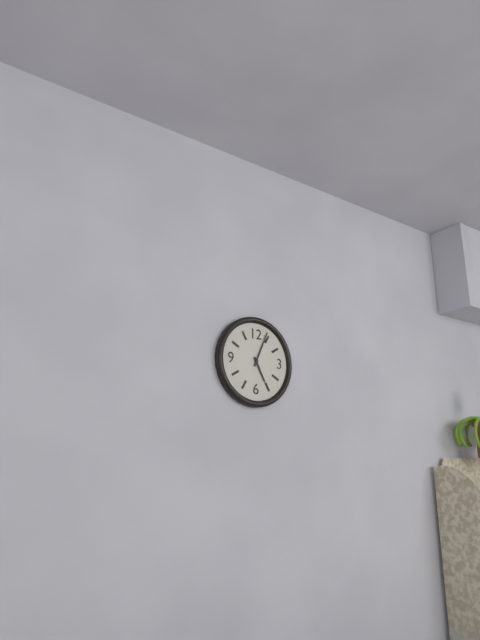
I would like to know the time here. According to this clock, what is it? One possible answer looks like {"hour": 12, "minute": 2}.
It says {"hour": 5, "minute": 4}
